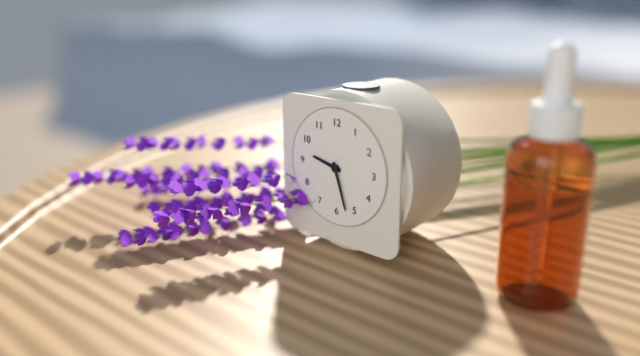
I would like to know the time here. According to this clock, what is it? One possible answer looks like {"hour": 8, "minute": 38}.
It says {"hour": 9, "minute": 27}
